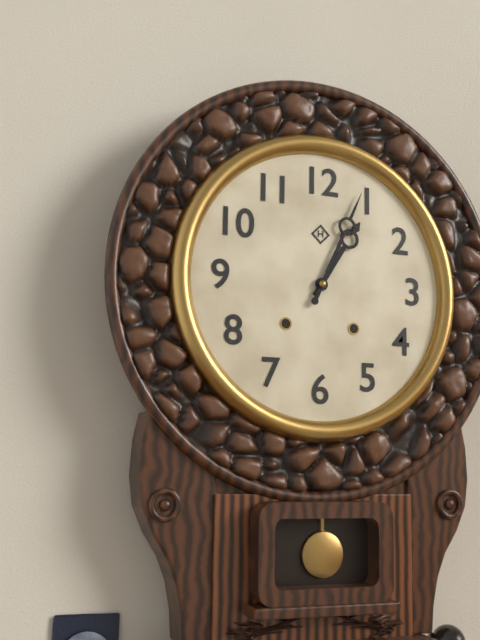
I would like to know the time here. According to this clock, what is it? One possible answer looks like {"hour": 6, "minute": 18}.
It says {"hour": 1, "minute": 4}
